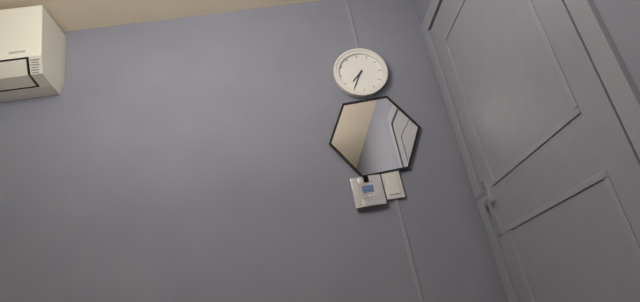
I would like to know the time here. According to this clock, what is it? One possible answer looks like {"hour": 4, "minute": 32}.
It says {"hour": 7, "minute": 35}
